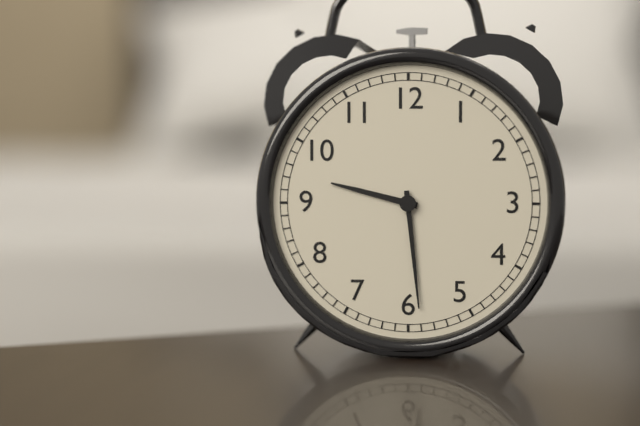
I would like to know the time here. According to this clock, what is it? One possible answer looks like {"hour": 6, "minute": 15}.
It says {"hour": 9, "minute": 29}
